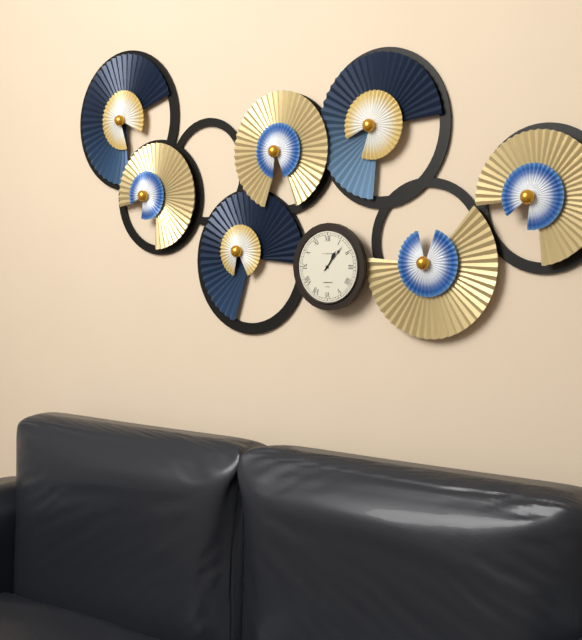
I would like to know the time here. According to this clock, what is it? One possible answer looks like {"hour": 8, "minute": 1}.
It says {"hour": 1, "minute": 7}
